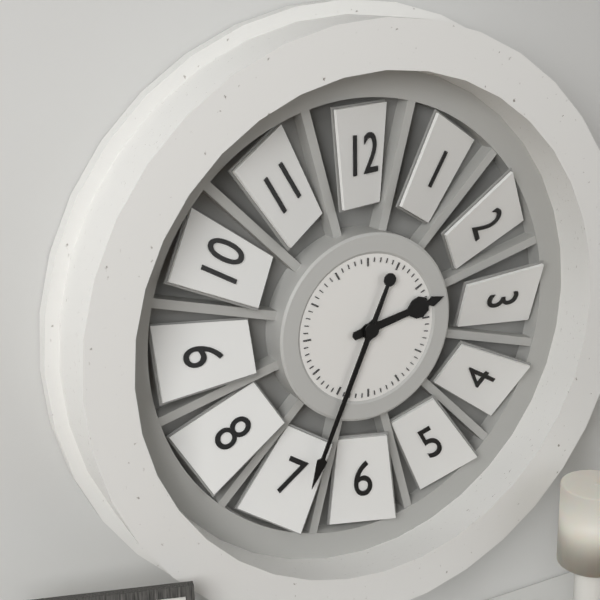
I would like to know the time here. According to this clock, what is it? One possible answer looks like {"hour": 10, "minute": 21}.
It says {"hour": 2, "minute": 34}
